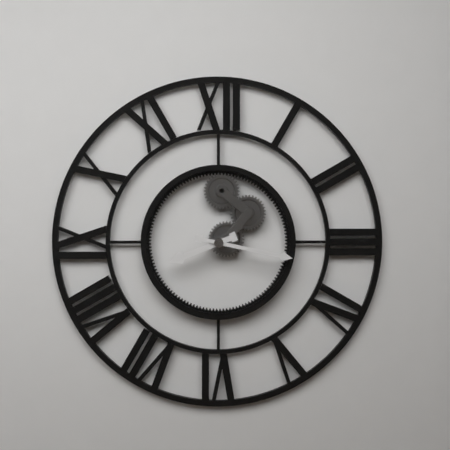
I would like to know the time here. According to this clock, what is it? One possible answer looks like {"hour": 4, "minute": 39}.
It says {"hour": 8, "minute": 17}
